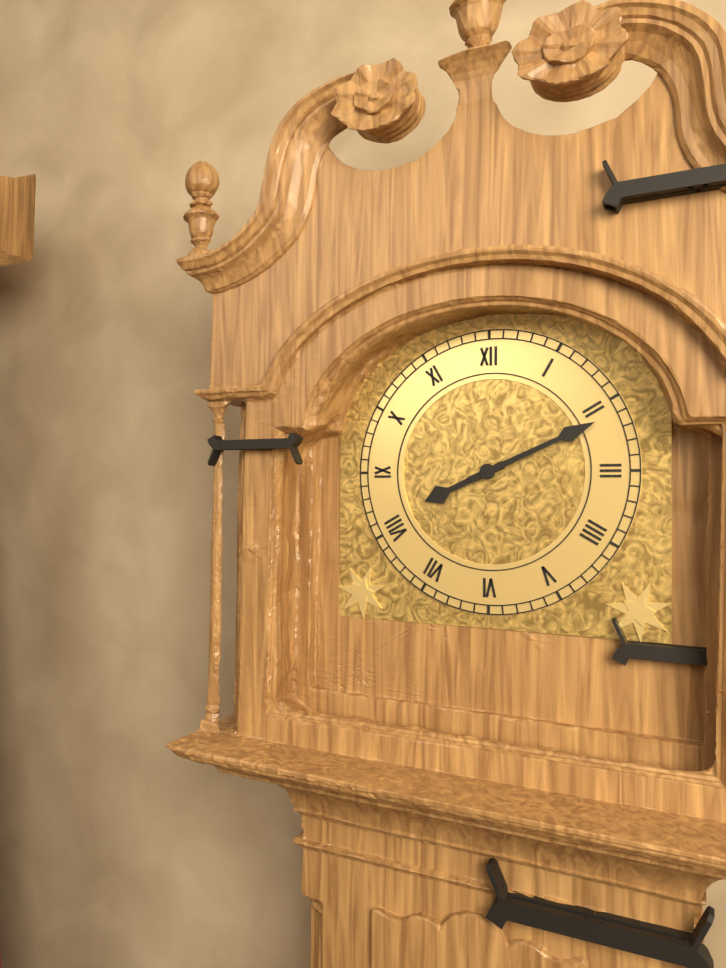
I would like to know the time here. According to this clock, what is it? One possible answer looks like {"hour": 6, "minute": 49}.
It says {"hour": 8, "minute": 11}
